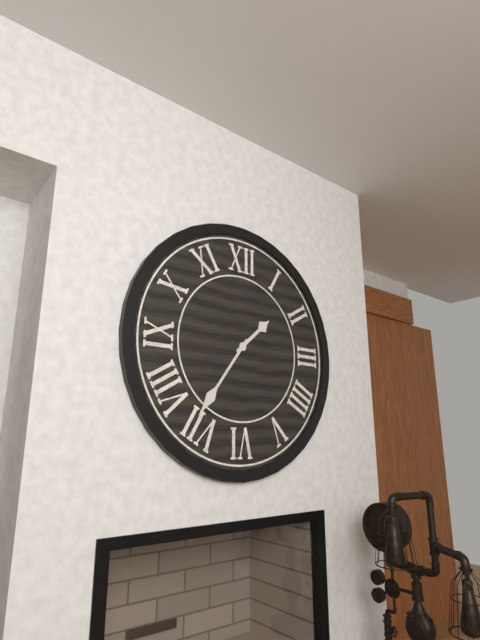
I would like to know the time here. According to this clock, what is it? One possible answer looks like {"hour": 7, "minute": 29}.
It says {"hour": 1, "minute": 36}
